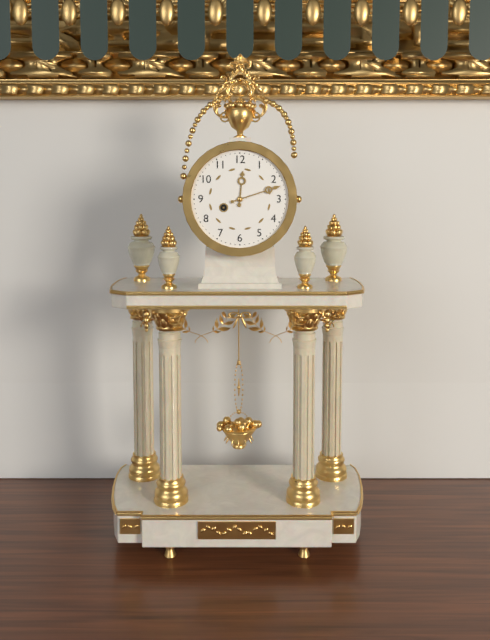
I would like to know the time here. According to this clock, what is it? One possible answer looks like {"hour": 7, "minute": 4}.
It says {"hour": 12, "minute": 12}
